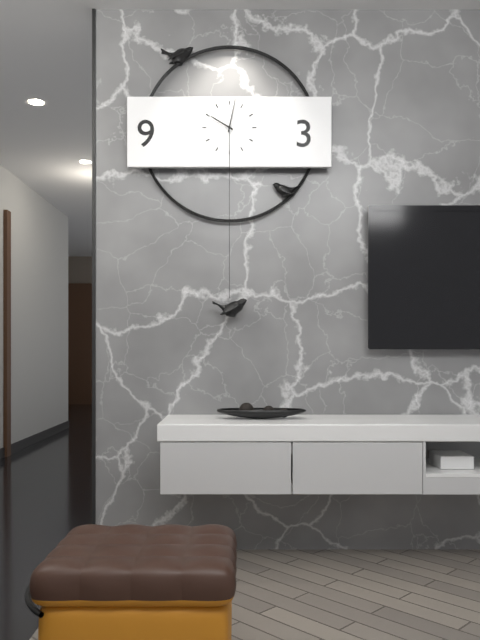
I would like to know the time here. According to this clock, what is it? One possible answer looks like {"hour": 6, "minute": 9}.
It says {"hour": 10, "minute": 2}
